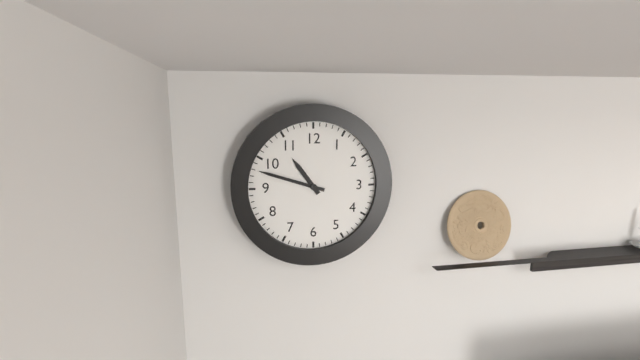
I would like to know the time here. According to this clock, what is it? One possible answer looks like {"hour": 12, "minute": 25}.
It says {"hour": 10, "minute": 48}
